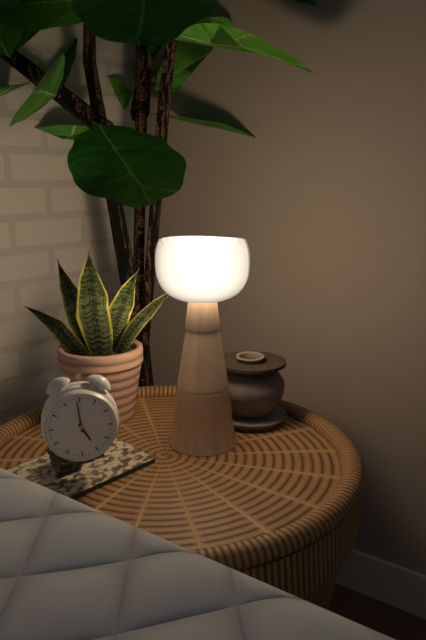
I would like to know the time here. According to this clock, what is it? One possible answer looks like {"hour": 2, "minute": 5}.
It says {"hour": 4, "minute": 59}
